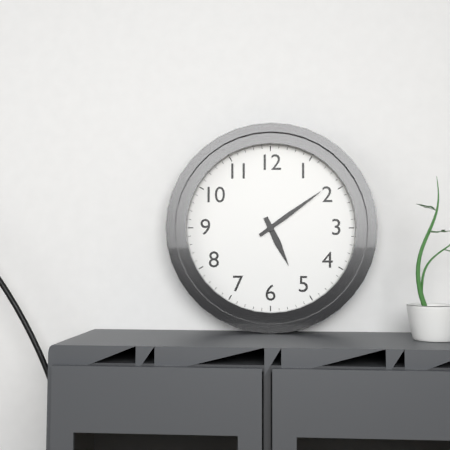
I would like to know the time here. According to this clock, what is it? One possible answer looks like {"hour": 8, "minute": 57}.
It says {"hour": 5, "minute": 9}
